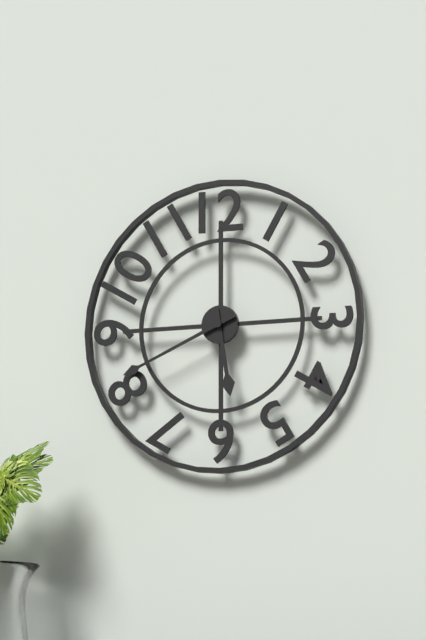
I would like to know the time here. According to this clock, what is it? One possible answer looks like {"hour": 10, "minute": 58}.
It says {"hour": 5, "minute": 41}
